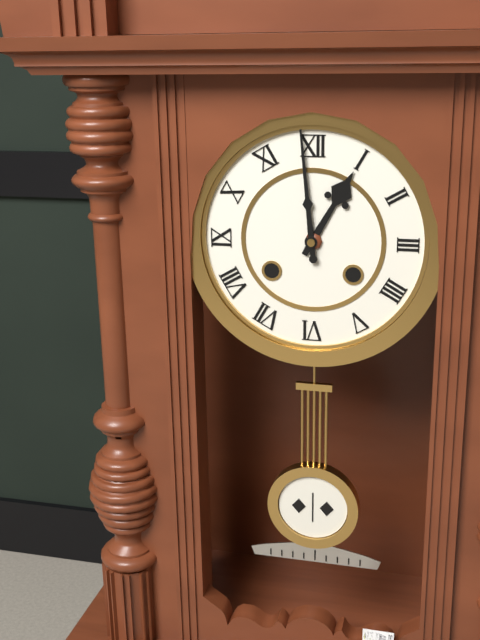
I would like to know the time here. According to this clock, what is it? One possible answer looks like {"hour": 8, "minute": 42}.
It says {"hour": 12, "minute": 59}
